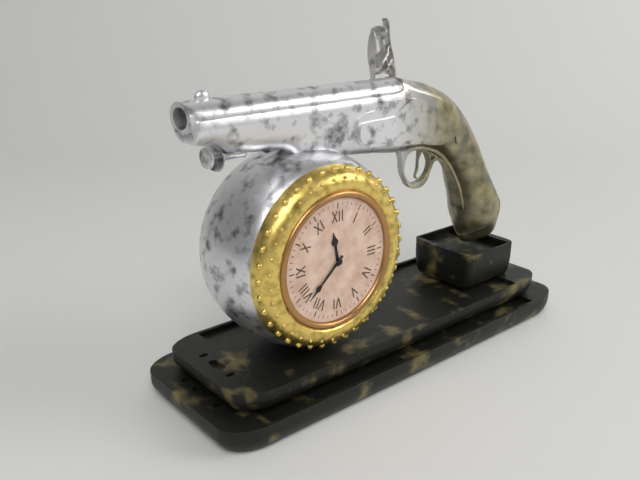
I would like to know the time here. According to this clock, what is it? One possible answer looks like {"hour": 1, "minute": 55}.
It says {"hour": 11, "minute": 38}
